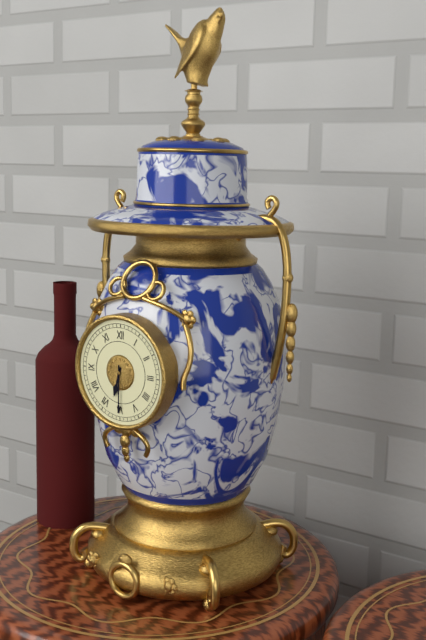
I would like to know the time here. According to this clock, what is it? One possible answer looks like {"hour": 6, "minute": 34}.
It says {"hour": 6, "minute": 30}
